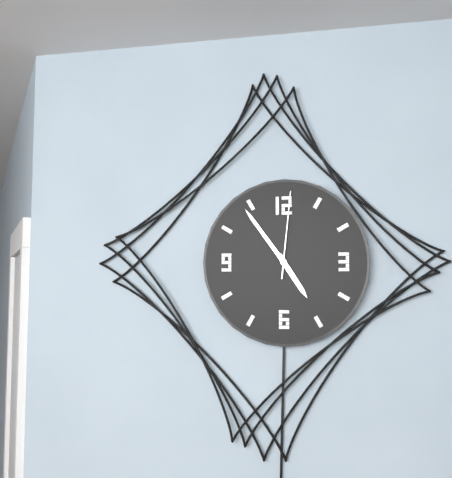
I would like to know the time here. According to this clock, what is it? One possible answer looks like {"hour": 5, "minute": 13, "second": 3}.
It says {"hour": 4, "minute": 54, "second": 1}
